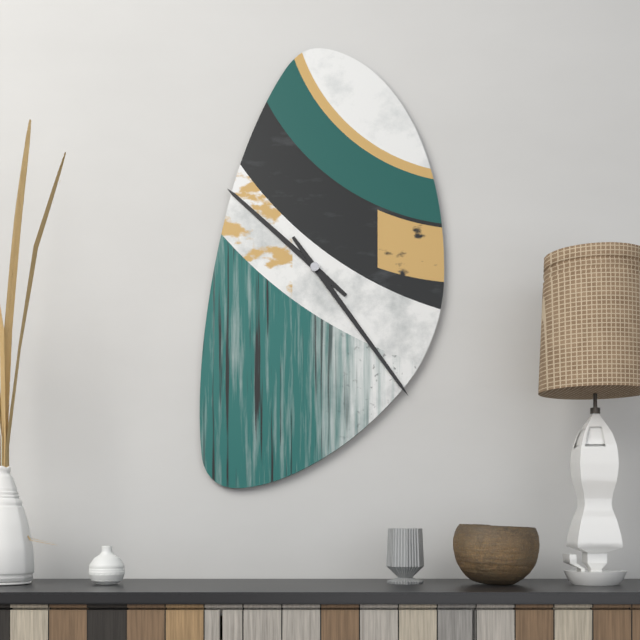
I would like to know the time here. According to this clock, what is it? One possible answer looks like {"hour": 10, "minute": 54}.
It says {"hour": 10, "minute": 24}
